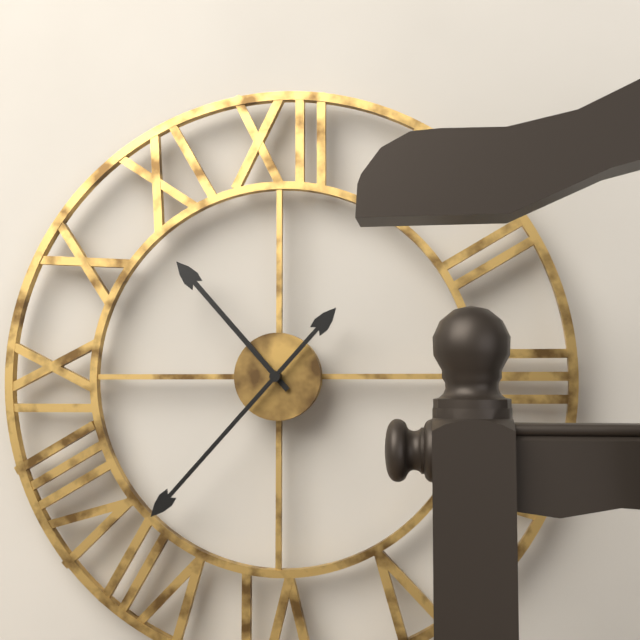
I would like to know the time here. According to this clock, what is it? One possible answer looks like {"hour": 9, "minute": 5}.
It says {"hour": 10, "minute": 37}
